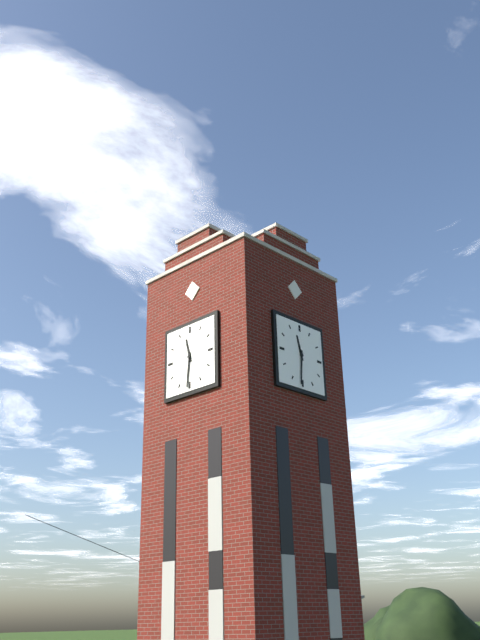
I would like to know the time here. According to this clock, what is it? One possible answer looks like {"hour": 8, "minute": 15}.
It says {"hour": 11, "minute": 31}
